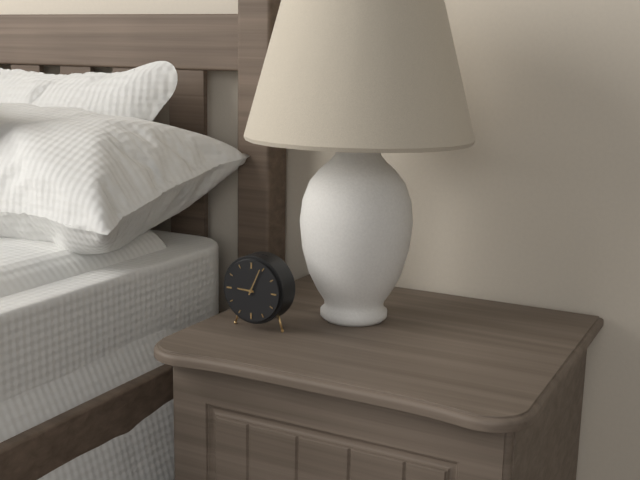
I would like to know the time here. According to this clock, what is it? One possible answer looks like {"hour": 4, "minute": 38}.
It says {"hour": 9, "minute": 4}
